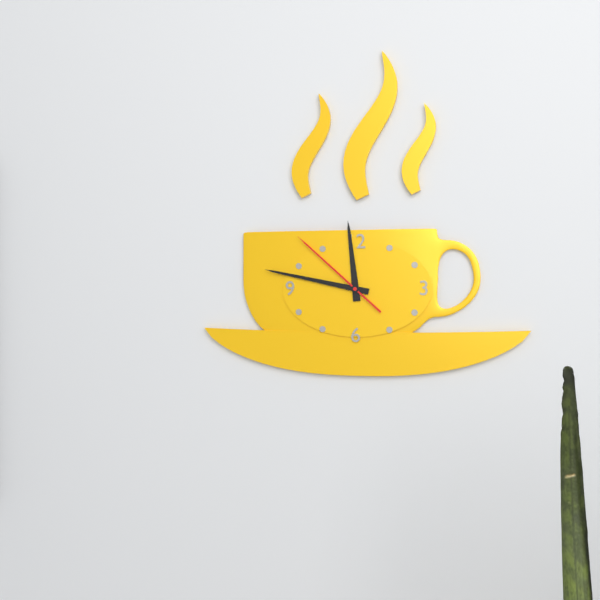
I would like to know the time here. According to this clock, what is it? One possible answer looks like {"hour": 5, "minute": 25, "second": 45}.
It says {"hour": 11, "minute": 47, "second": 52}
